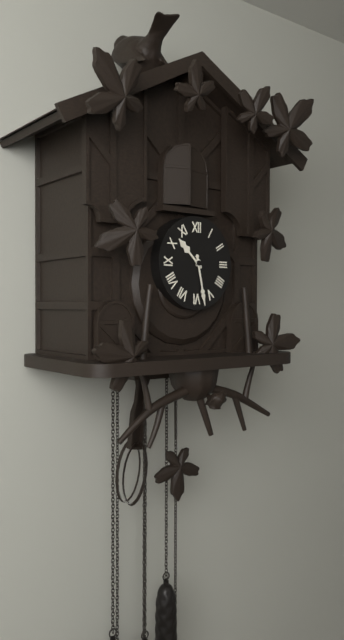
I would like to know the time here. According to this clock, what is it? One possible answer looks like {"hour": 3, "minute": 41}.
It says {"hour": 10, "minute": 28}
